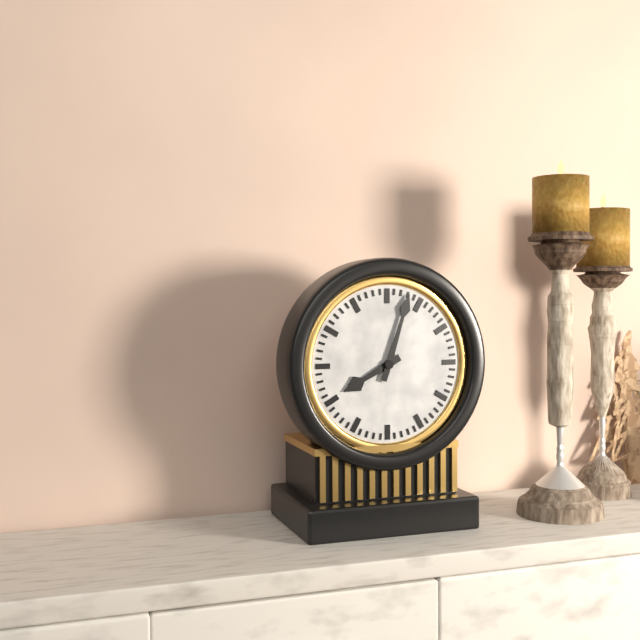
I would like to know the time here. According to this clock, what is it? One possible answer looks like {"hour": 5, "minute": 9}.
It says {"hour": 8, "minute": 3}
